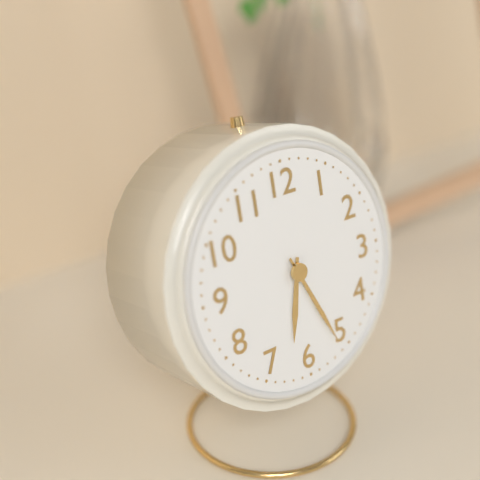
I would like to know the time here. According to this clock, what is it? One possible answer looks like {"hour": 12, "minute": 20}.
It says {"hour": 6, "minute": 26}
